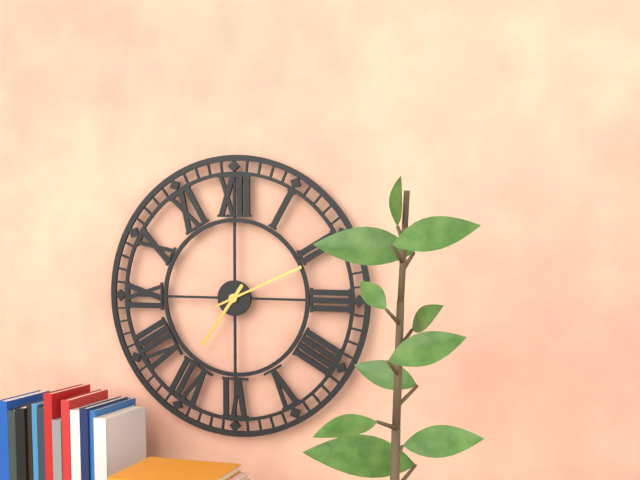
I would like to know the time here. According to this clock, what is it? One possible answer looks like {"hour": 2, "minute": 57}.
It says {"hour": 7, "minute": 11}
